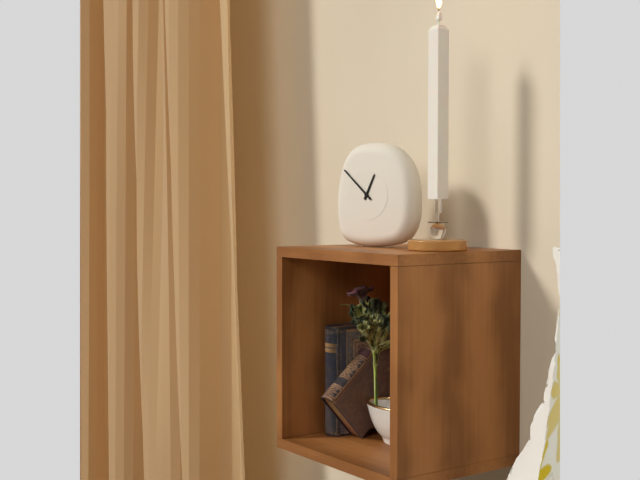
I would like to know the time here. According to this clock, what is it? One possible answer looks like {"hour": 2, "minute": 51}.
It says {"hour": 12, "minute": 52}
